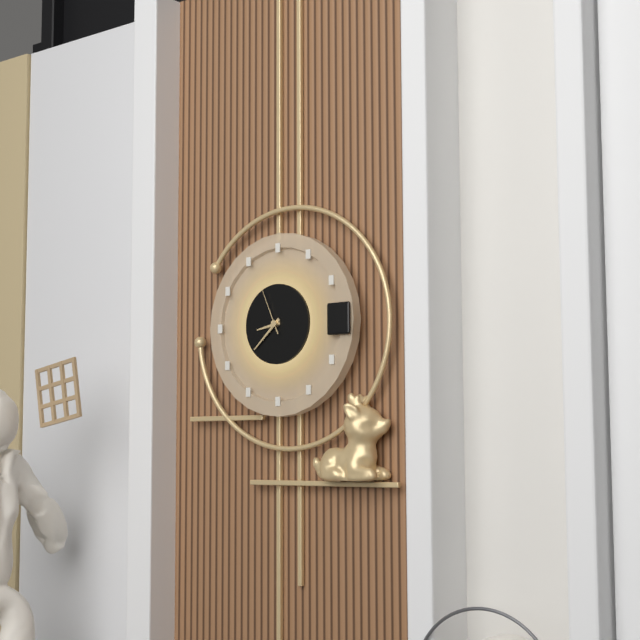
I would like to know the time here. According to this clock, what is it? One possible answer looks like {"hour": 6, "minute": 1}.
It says {"hour": 8, "minute": 38}
